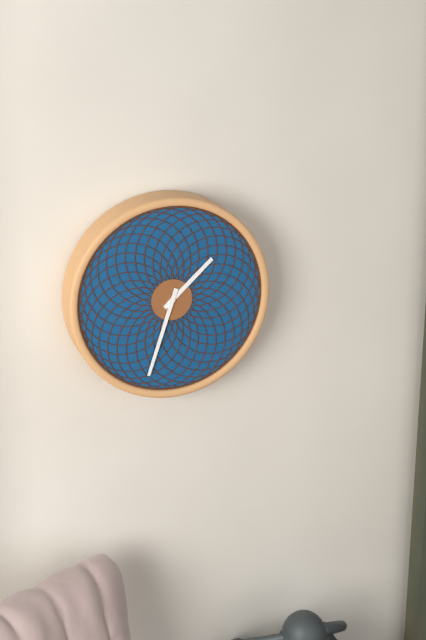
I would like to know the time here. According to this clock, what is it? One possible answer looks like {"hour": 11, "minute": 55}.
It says {"hour": 1, "minute": 33}
